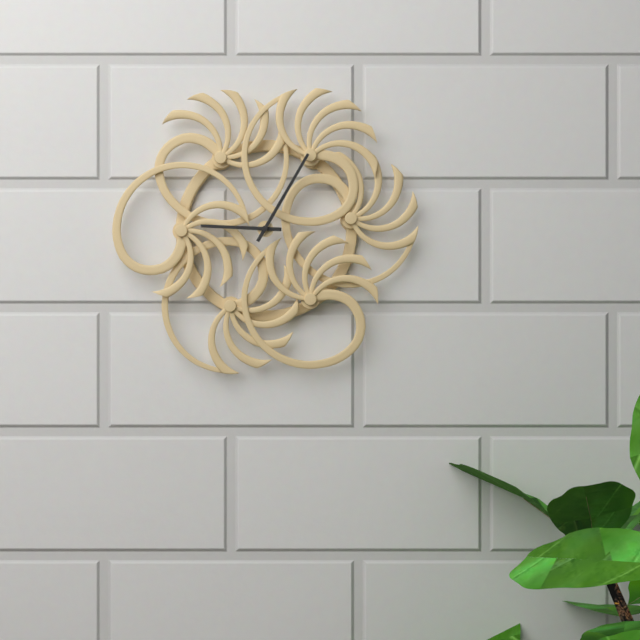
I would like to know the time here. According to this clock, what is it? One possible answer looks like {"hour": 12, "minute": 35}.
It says {"hour": 9, "minute": 5}
